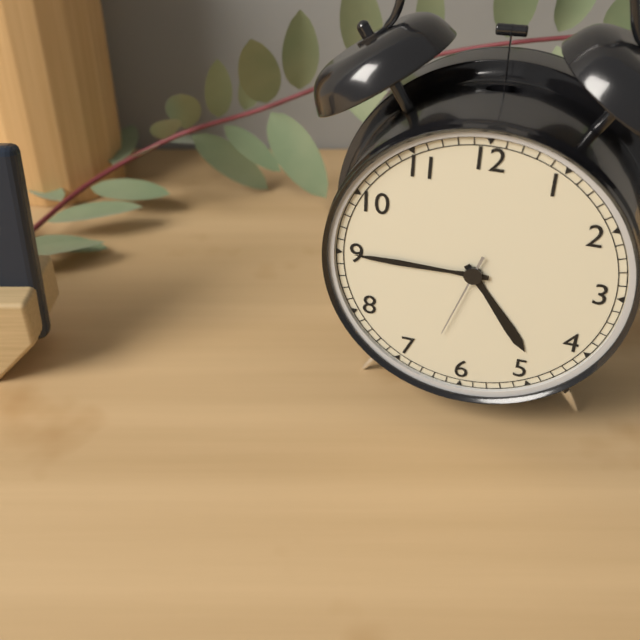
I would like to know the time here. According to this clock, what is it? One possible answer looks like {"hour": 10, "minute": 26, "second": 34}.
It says {"hour": 4, "minute": 45, "second": 33}
